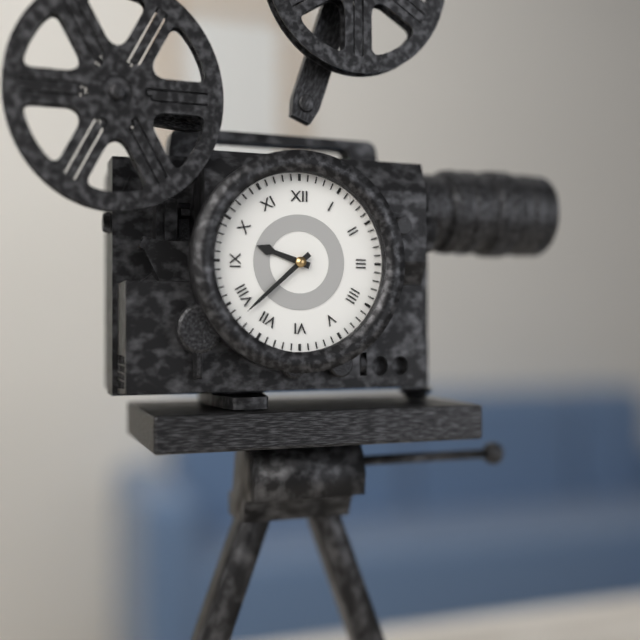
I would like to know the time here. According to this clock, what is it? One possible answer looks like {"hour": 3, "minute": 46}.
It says {"hour": 9, "minute": 38}
